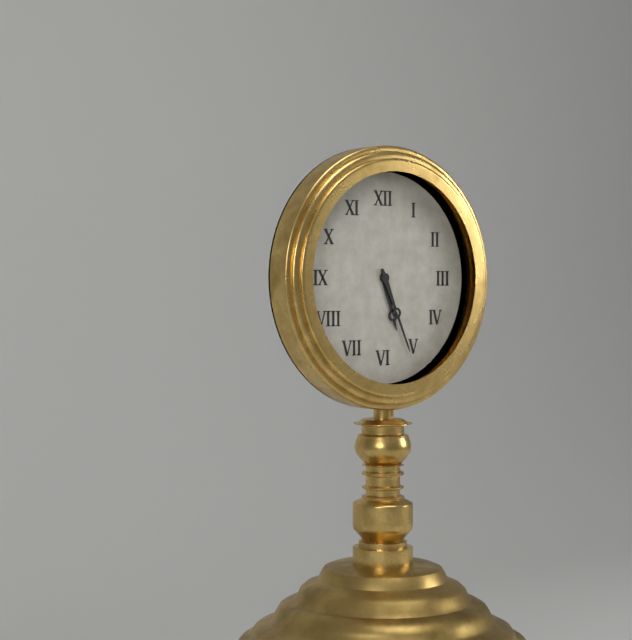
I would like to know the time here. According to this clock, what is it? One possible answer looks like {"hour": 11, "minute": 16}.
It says {"hour": 5, "minute": 26}
